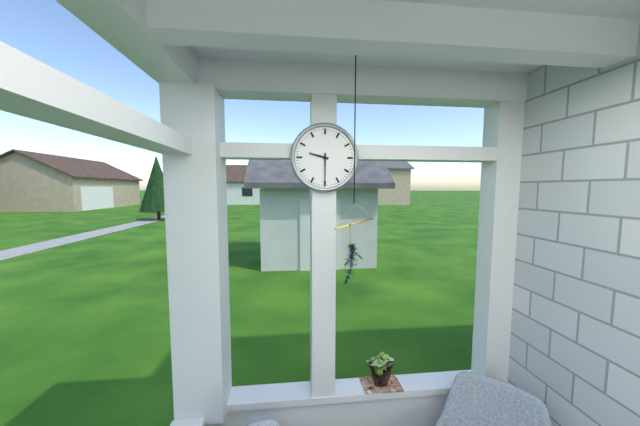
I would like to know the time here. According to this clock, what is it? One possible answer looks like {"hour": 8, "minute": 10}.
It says {"hour": 9, "minute": 30}
